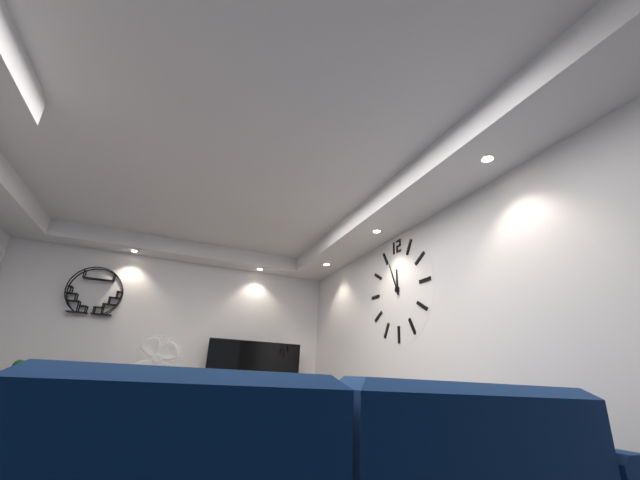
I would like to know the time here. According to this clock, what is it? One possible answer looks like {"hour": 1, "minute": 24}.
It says {"hour": 11, "minute": 56}
